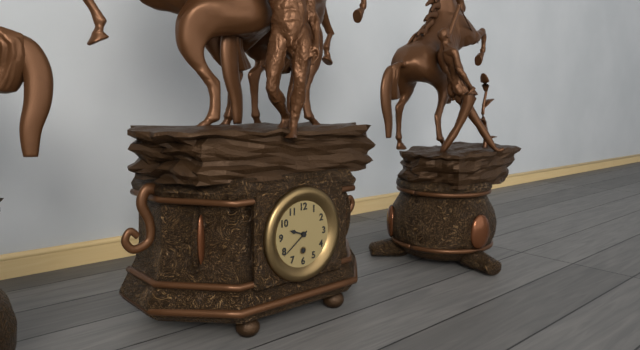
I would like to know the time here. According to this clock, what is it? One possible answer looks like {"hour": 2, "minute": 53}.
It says {"hour": 9, "minute": 39}
